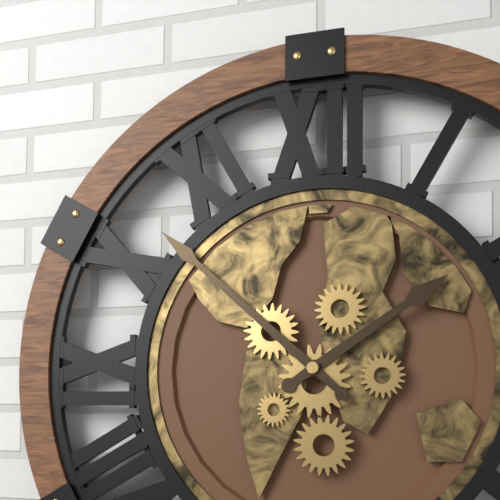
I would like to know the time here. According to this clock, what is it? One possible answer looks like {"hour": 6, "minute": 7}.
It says {"hour": 1, "minute": 52}
